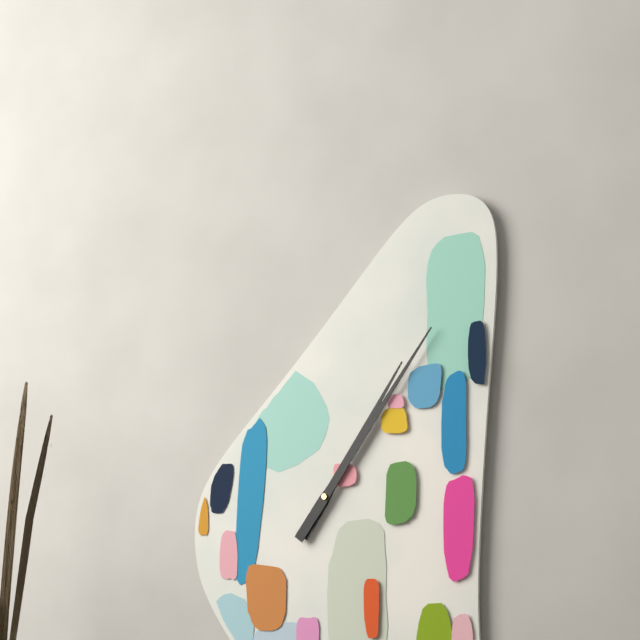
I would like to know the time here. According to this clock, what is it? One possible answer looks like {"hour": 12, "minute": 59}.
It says {"hour": 1, "minute": 6}
